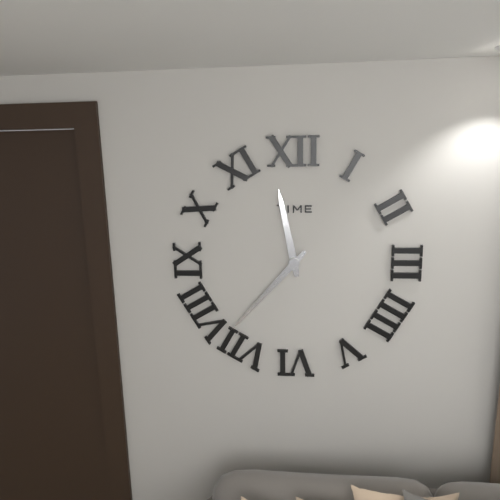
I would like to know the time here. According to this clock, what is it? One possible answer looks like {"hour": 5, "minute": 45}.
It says {"hour": 11, "minute": 37}
